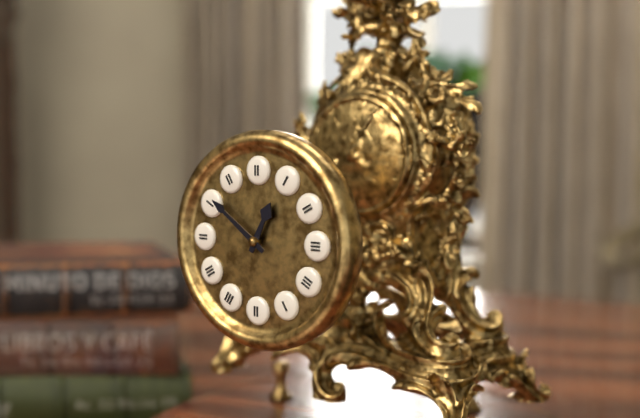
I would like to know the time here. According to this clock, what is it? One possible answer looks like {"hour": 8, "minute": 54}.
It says {"hour": 12, "minute": 51}
